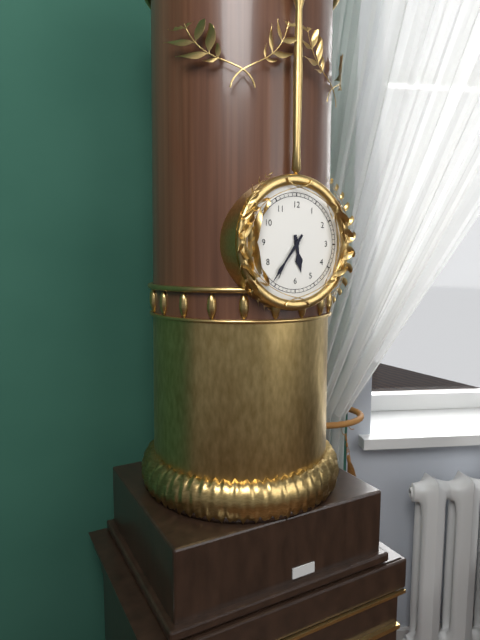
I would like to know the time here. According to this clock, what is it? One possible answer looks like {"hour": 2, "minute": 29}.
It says {"hour": 5, "minute": 36}
